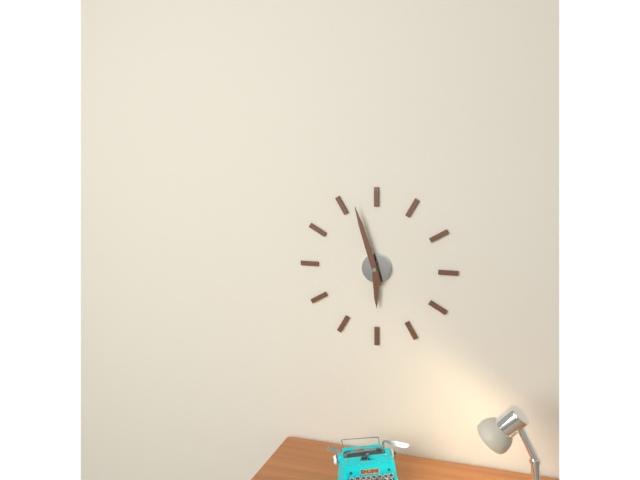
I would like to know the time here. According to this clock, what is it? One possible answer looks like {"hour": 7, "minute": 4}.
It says {"hour": 5, "minute": 57}
